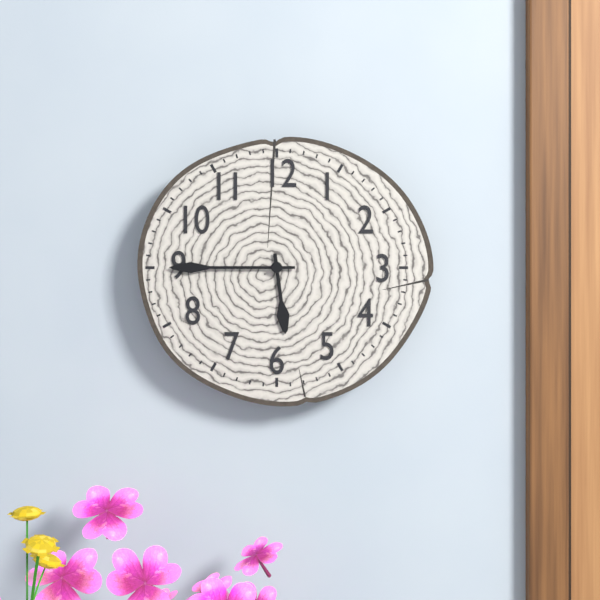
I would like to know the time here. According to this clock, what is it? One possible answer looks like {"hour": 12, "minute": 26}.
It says {"hour": 5, "minute": 45}
